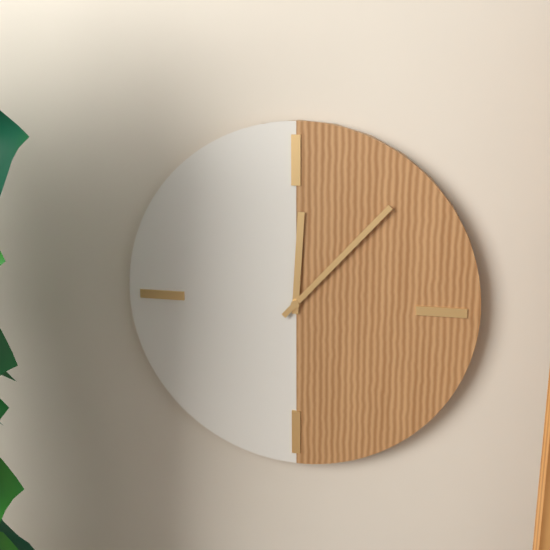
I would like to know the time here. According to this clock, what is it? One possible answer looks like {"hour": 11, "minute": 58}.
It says {"hour": 12, "minute": 7}
